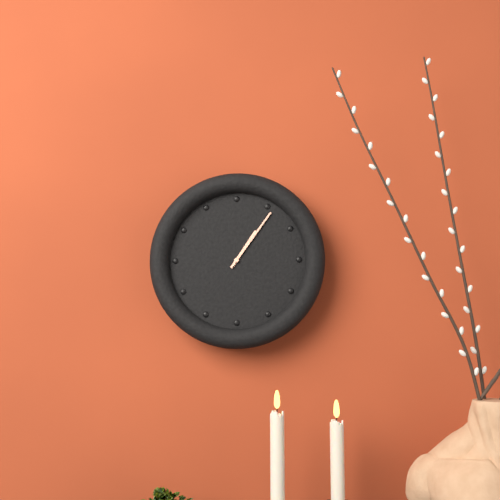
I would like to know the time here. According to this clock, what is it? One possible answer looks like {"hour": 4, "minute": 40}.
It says {"hour": 1, "minute": 6}
